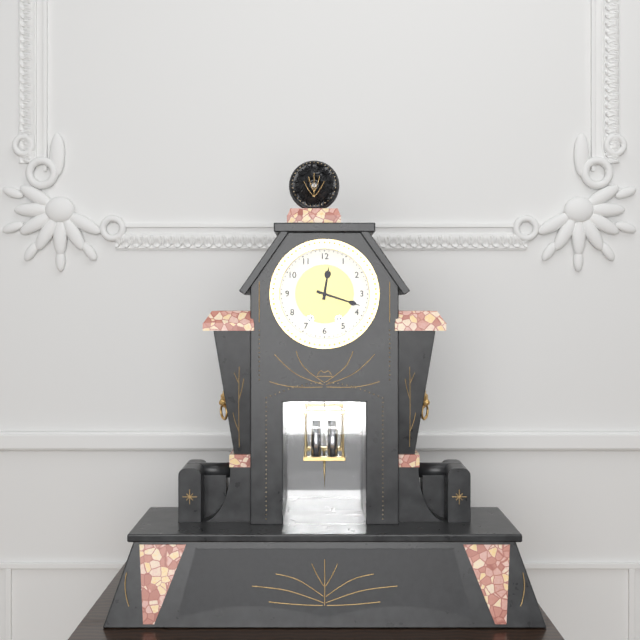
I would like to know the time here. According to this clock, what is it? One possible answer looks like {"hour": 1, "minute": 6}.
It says {"hour": 12, "minute": 18}
